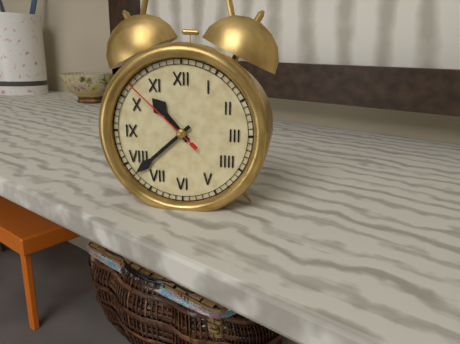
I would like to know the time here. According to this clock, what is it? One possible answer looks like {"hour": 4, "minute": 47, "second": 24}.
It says {"hour": 10, "minute": 38, "second": 52}
